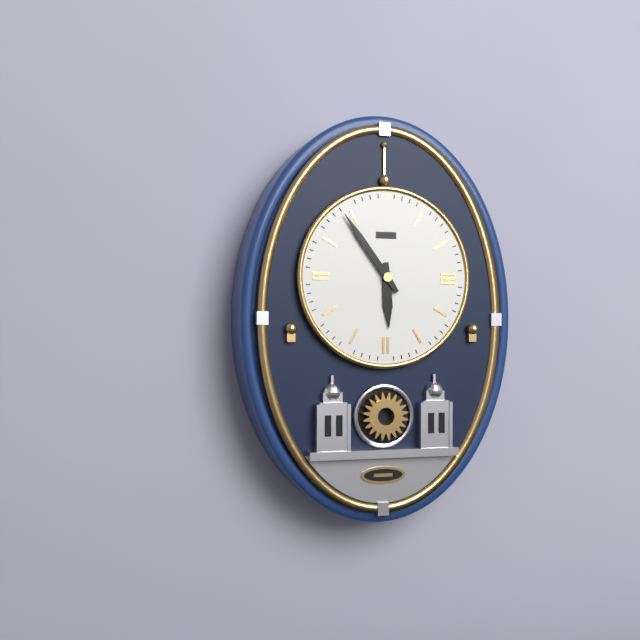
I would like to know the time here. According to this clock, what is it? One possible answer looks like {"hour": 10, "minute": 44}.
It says {"hour": 5, "minute": 54}
